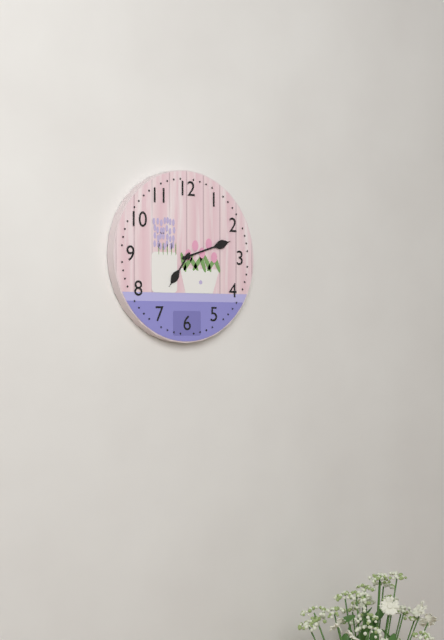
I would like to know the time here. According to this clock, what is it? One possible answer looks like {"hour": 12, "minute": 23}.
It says {"hour": 7, "minute": 12}
